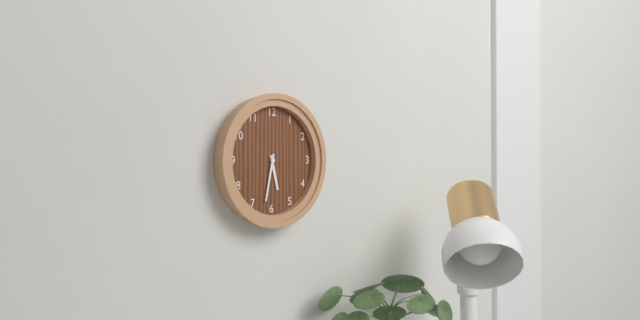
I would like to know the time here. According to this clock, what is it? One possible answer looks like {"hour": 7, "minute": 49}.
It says {"hour": 5, "minute": 32}
